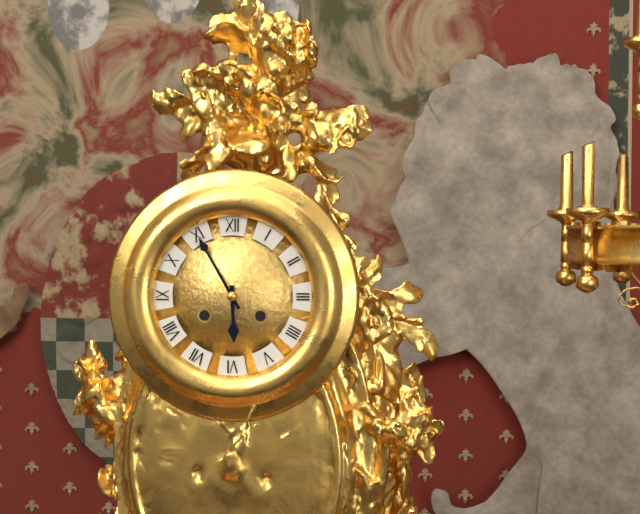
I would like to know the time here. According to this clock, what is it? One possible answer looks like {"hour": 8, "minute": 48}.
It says {"hour": 5, "minute": 55}
